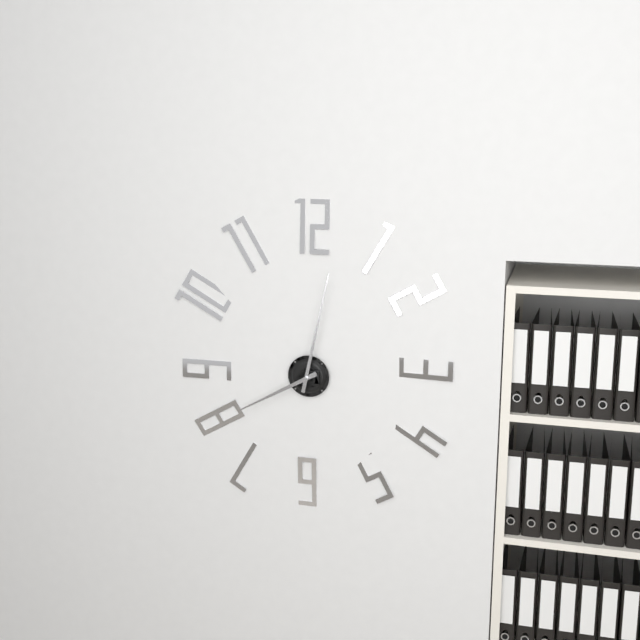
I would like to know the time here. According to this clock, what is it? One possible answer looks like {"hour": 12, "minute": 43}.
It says {"hour": 8, "minute": 2}
